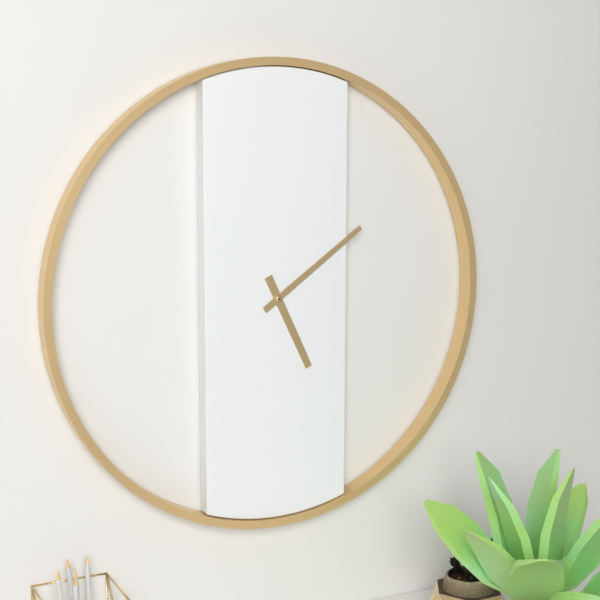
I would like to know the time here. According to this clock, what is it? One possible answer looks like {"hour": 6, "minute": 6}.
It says {"hour": 5, "minute": 9}
